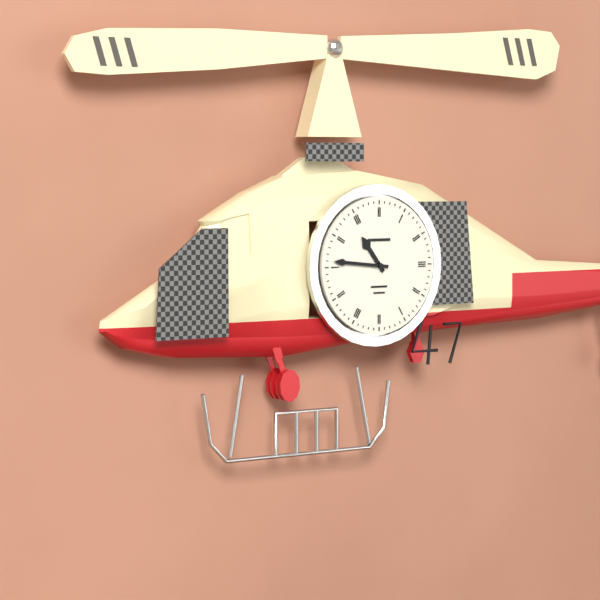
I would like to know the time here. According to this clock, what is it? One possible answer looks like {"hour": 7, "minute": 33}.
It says {"hour": 10, "minute": 46}
